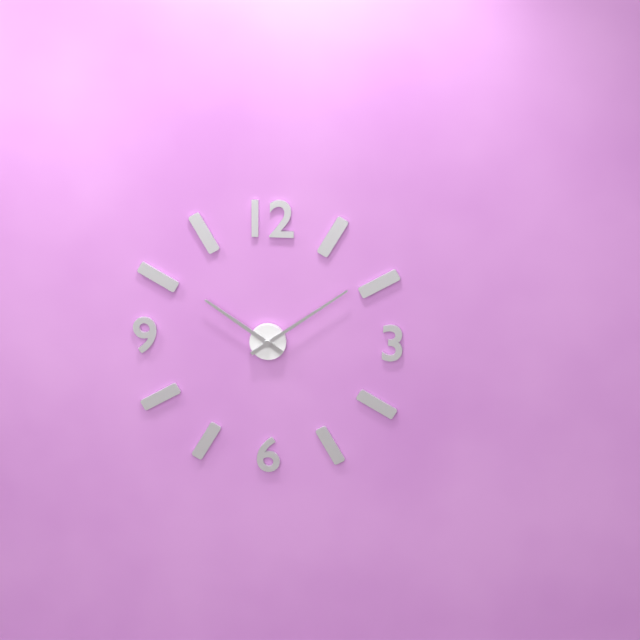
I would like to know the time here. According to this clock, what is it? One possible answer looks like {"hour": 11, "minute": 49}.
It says {"hour": 10, "minute": 9}
